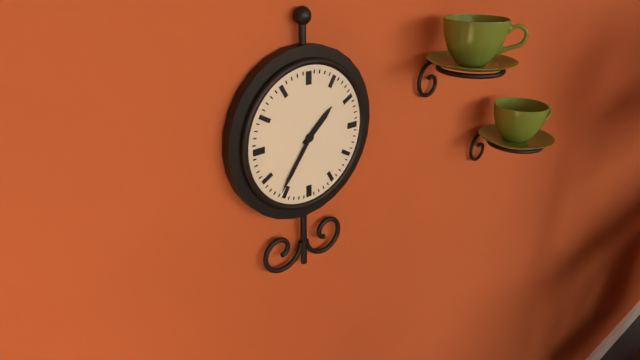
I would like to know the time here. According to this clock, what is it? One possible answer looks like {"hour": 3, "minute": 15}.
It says {"hour": 1, "minute": 36}
